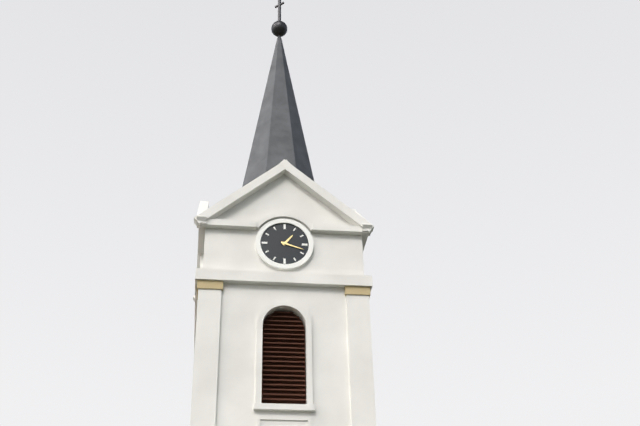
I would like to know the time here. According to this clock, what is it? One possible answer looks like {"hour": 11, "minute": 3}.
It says {"hour": 1, "minute": 18}
